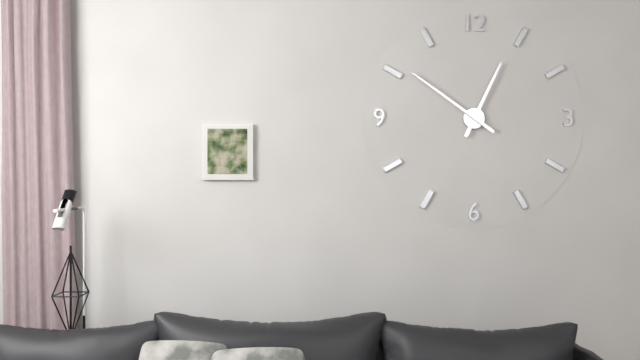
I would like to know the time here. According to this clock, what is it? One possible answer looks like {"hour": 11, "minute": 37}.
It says {"hour": 12, "minute": 51}
